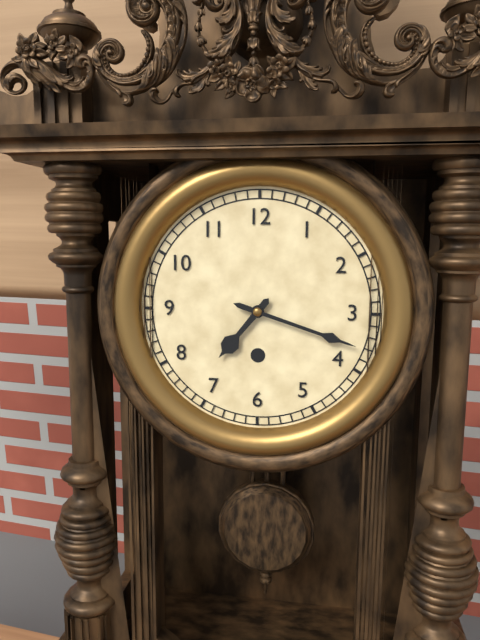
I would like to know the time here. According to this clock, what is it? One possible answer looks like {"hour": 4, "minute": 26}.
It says {"hour": 7, "minute": 18}
